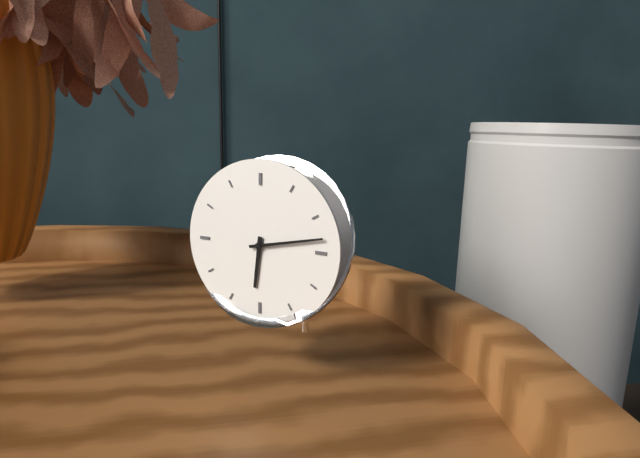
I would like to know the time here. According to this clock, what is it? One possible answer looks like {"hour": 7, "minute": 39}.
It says {"hour": 6, "minute": 13}
